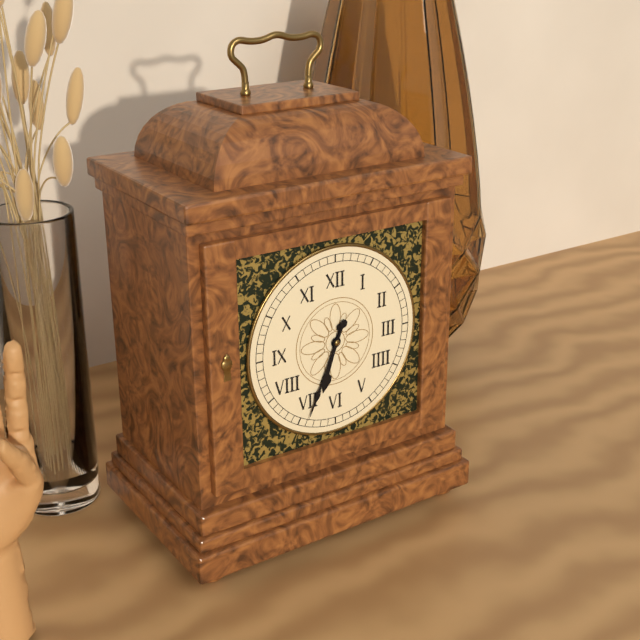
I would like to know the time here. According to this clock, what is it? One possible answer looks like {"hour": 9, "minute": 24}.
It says {"hour": 6, "minute": 34}
